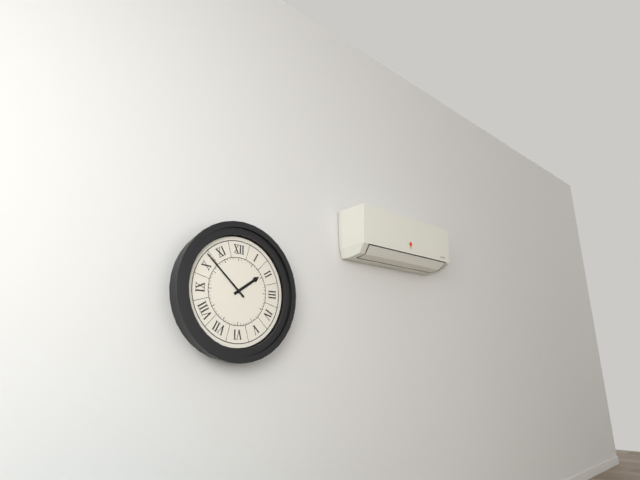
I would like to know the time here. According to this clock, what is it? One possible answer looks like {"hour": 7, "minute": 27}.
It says {"hour": 1, "minute": 52}
